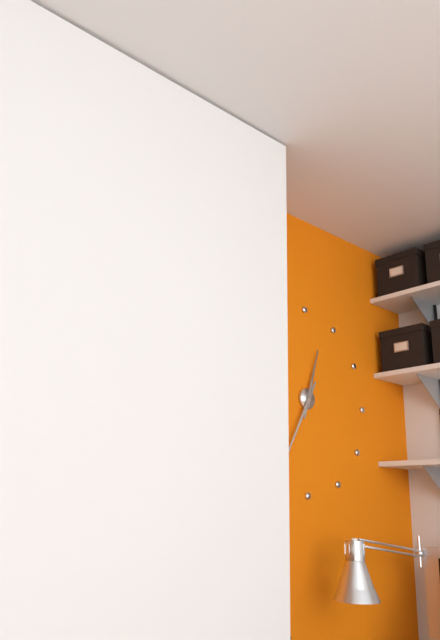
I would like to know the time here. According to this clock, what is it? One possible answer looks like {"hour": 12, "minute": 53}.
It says {"hour": 12, "minute": 35}
